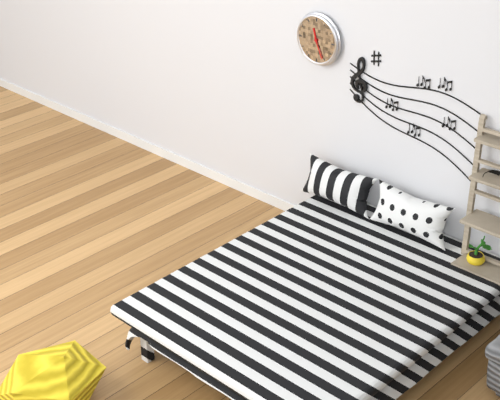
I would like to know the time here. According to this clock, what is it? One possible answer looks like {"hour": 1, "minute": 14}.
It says {"hour": 11, "minute": 26}
